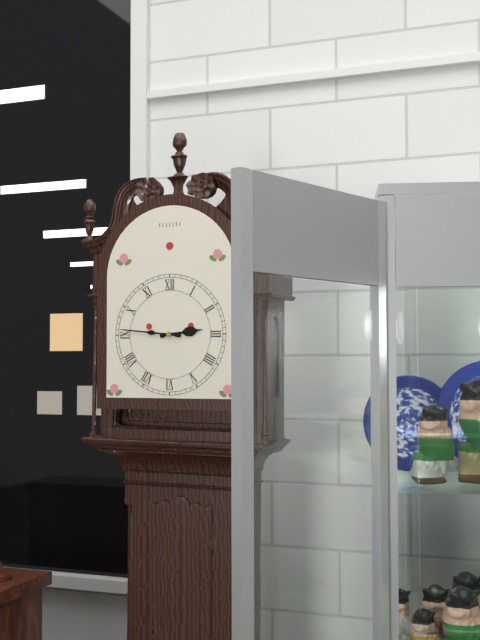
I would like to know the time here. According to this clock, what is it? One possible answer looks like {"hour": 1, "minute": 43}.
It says {"hour": 2, "minute": 46}
